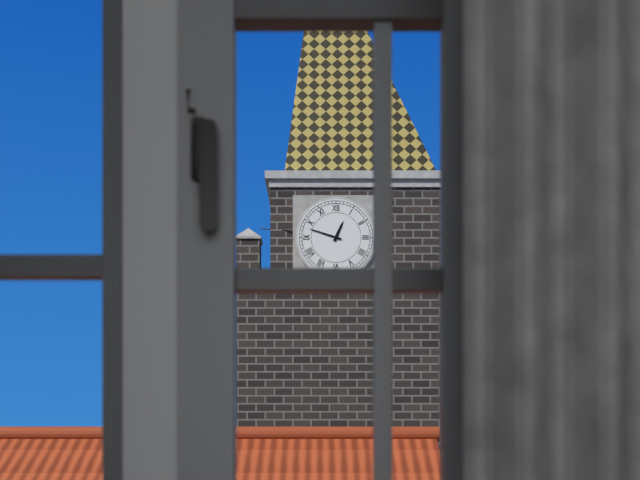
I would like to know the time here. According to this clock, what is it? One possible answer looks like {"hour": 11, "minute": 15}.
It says {"hour": 12, "minute": 48}
